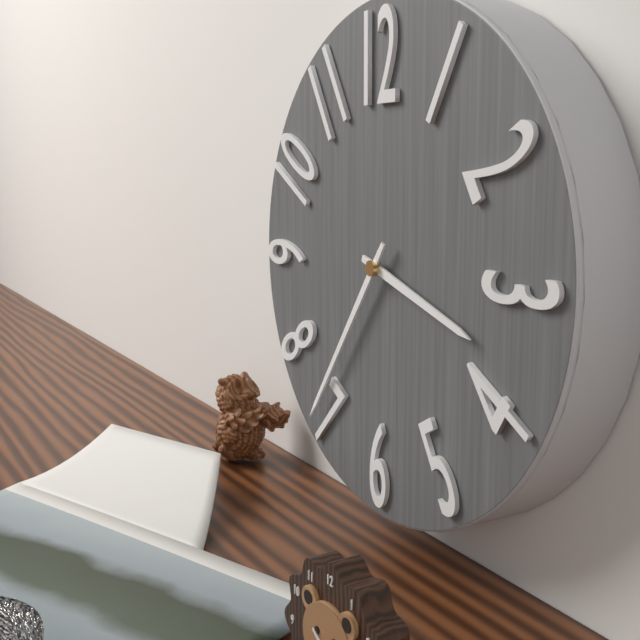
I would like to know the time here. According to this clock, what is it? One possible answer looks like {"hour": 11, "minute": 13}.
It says {"hour": 3, "minute": 36}
